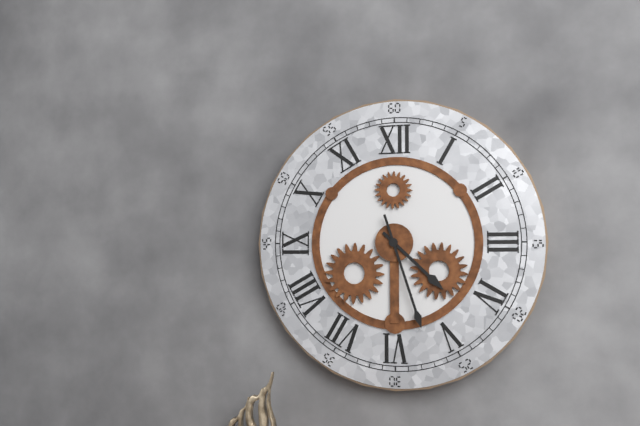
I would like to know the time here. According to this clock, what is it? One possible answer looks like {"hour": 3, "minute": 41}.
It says {"hour": 4, "minute": 27}
